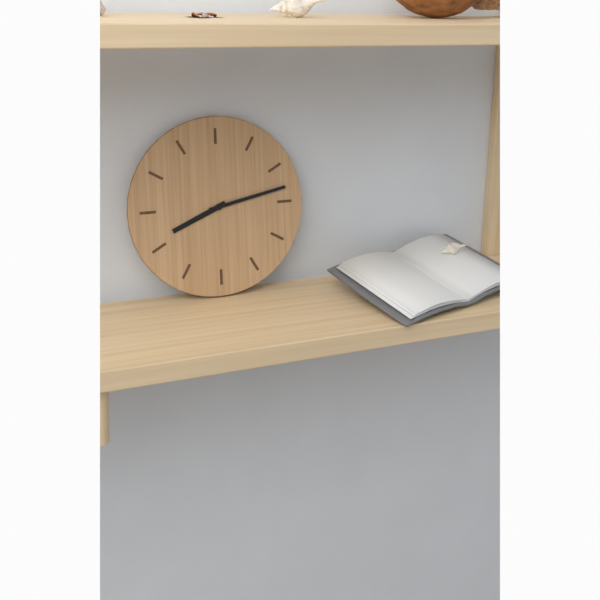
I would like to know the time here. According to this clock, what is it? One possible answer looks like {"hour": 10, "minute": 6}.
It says {"hour": 8, "minute": 13}
